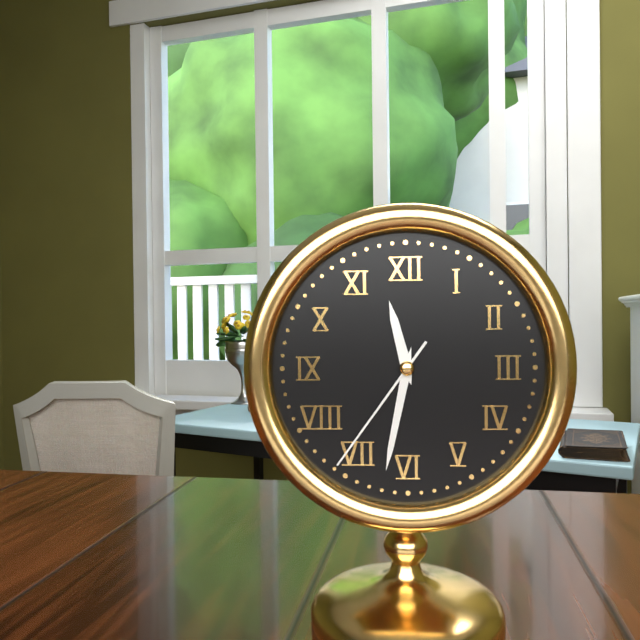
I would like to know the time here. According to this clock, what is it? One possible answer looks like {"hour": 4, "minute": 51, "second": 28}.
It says {"hour": 11, "minute": 32, "second": 36}
